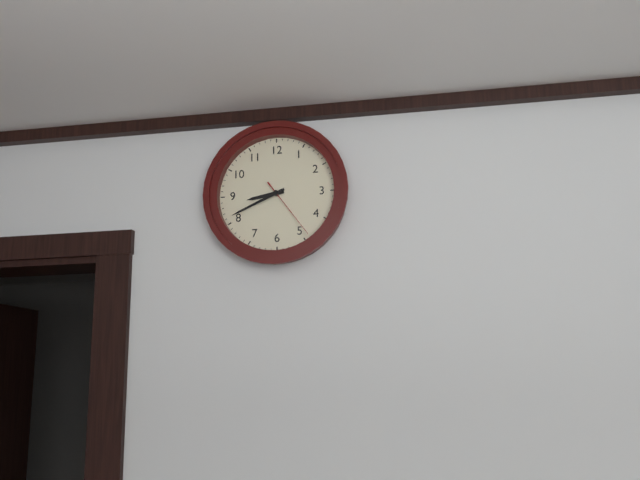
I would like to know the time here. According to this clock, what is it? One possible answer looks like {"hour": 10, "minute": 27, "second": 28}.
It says {"hour": 8, "minute": 41, "second": 24}
